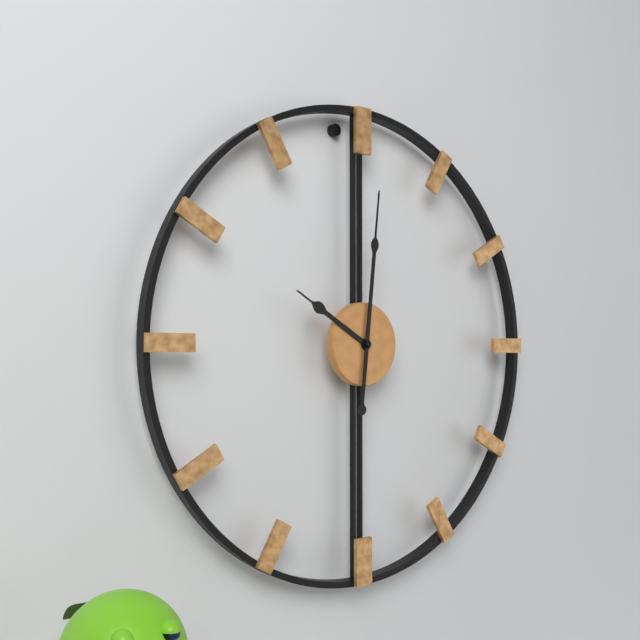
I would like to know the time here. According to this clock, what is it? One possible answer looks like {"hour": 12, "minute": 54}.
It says {"hour": 10, "minute": 1}
